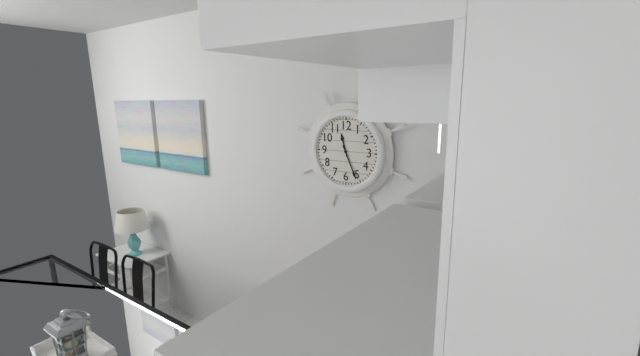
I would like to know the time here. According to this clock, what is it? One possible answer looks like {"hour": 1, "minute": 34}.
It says {"hour": 11, "minute": 26}
